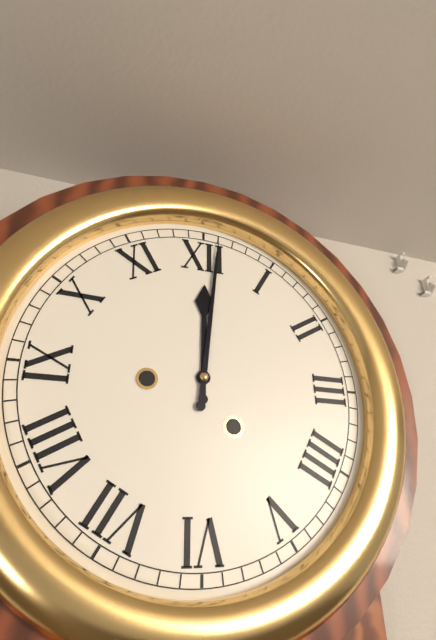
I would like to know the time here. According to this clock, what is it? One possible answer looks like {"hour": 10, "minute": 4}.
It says {"hour": 12, "minute": 1}
